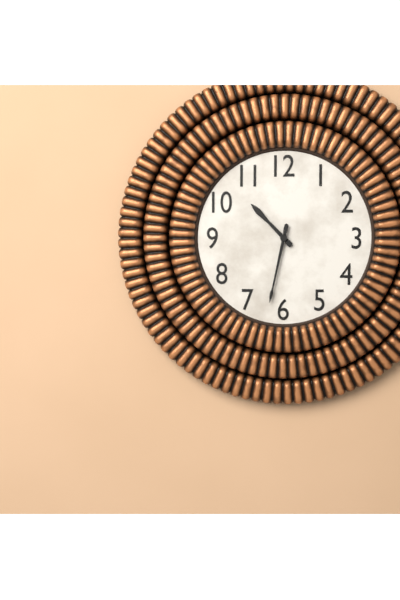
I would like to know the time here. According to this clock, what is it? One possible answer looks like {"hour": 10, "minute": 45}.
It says {"hour": 10, "minute": 32}
